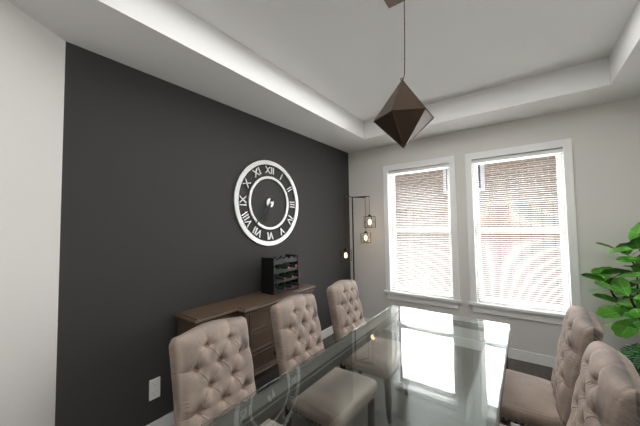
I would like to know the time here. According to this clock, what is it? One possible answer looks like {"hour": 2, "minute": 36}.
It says {"hour": 6, "minute": 37}
